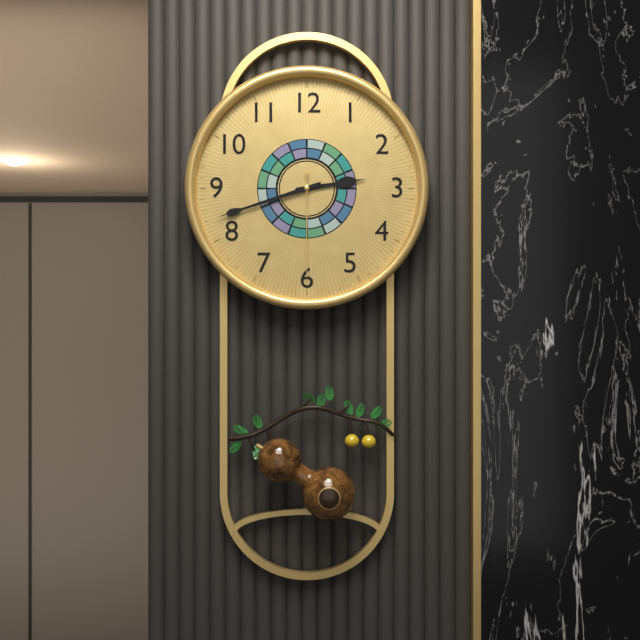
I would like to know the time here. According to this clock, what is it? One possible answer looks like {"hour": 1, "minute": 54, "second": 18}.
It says {"hour": 2, "minute": 42, "second": 30}
